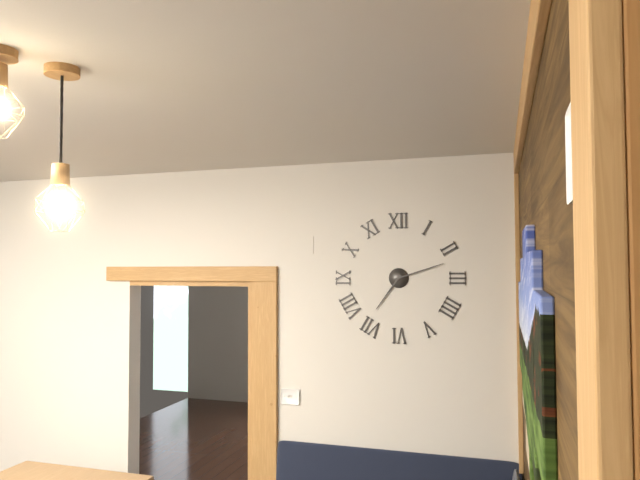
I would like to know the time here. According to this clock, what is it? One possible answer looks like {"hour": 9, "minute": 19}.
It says {"hour": 7, "minute": 12}
